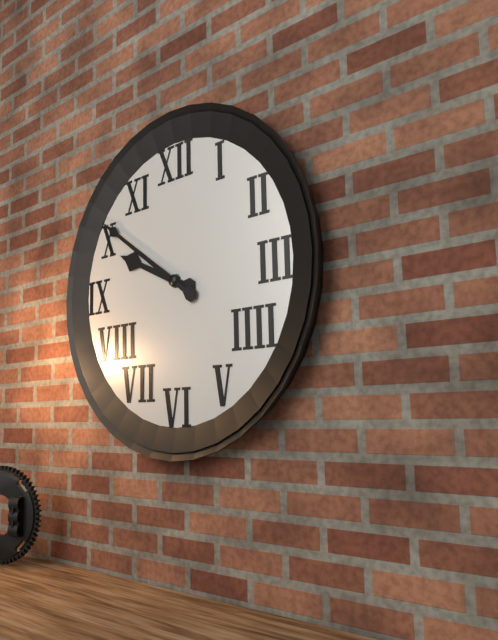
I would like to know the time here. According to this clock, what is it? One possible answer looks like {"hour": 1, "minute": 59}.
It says {"hour": 9, "minute": 51}
